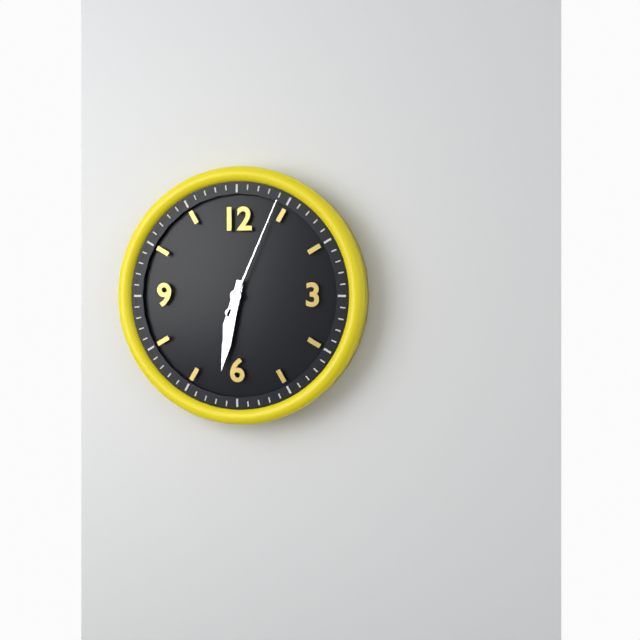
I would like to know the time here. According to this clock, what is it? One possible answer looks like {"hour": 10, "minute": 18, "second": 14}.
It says {"hour": 6, "minute": 32, "second": 4}
